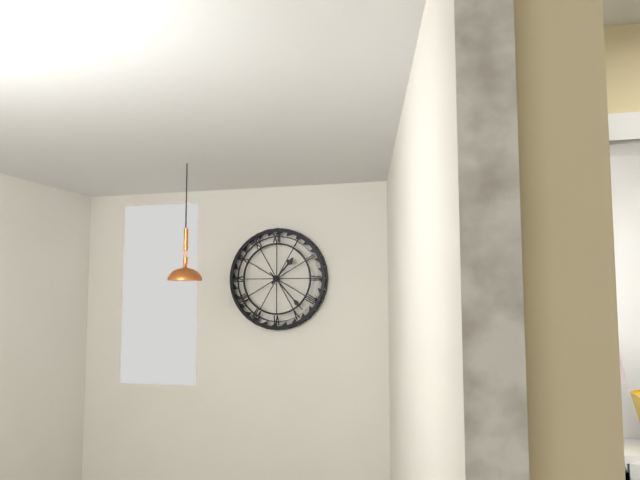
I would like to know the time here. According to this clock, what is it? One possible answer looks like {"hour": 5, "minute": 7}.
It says {"hour": 1, "minute": 23}
